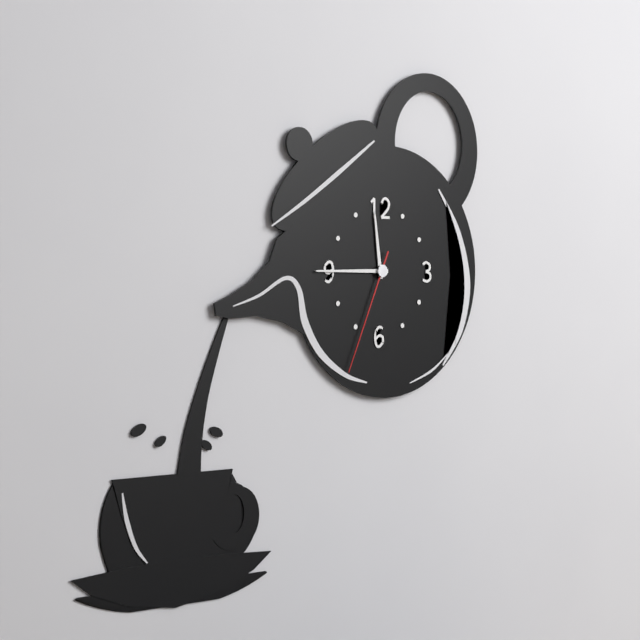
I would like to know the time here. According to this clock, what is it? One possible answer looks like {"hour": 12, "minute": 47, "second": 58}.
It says {"hour": 11, "minute": 45, "second": 34}
